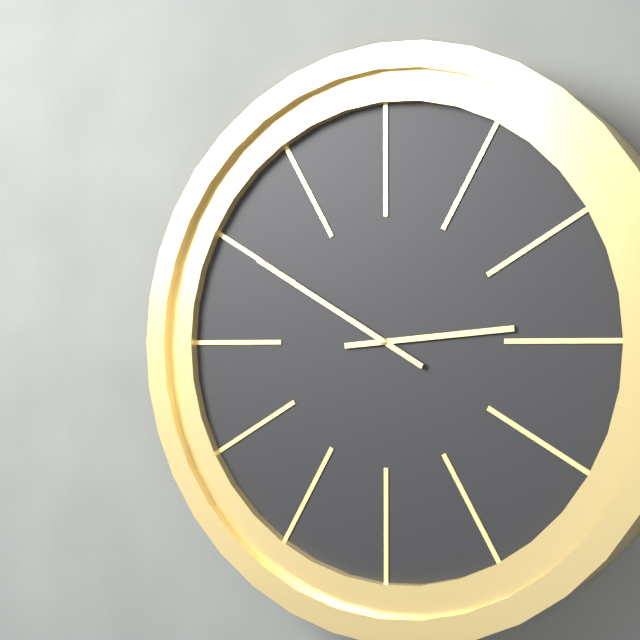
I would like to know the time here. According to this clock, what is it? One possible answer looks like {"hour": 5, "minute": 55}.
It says {"hour": 2, "minute": 50}
